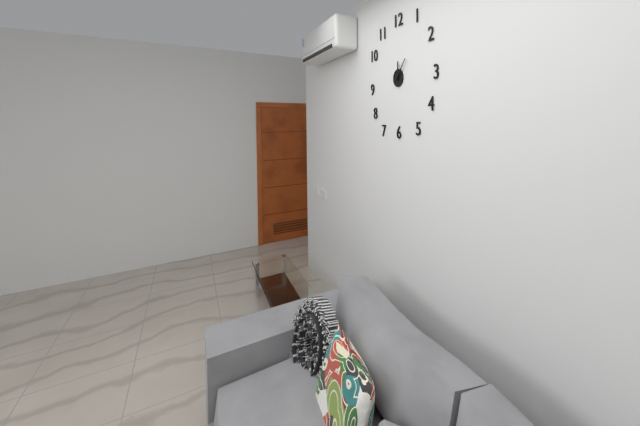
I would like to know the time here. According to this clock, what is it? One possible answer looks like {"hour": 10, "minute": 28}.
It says {"hour": 12, "minute": 7}
